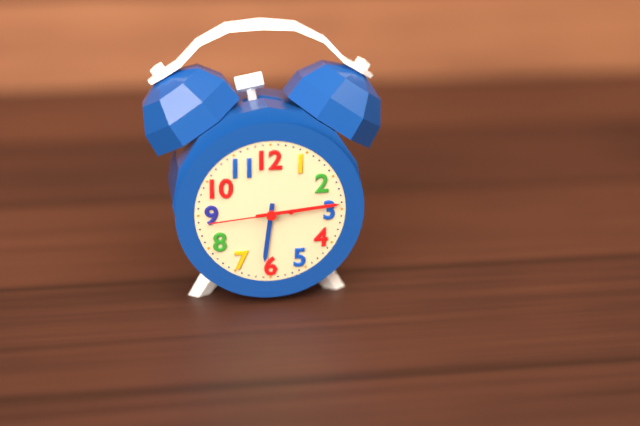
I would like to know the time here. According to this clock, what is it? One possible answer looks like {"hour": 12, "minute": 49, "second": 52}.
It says {"hour": 6, "minute": 14, "second": 44}
